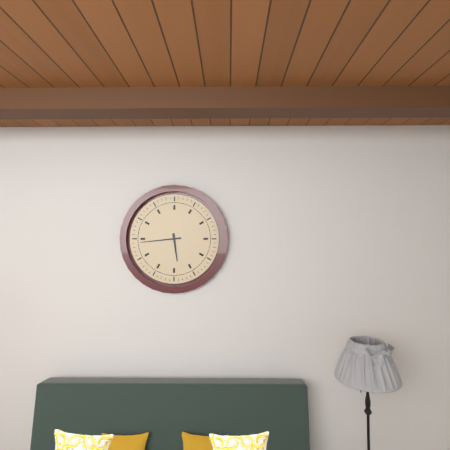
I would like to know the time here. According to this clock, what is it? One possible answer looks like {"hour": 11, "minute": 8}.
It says {"hour": 5, "minute": 44}
